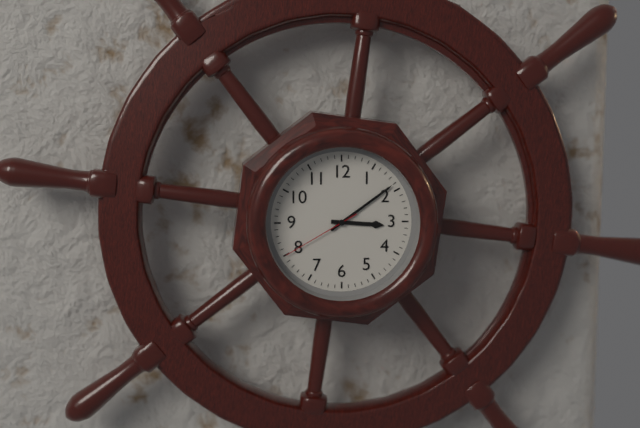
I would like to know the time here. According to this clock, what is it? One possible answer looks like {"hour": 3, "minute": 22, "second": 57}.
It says {"hour": 3, "minute": 9, "second": 40}
